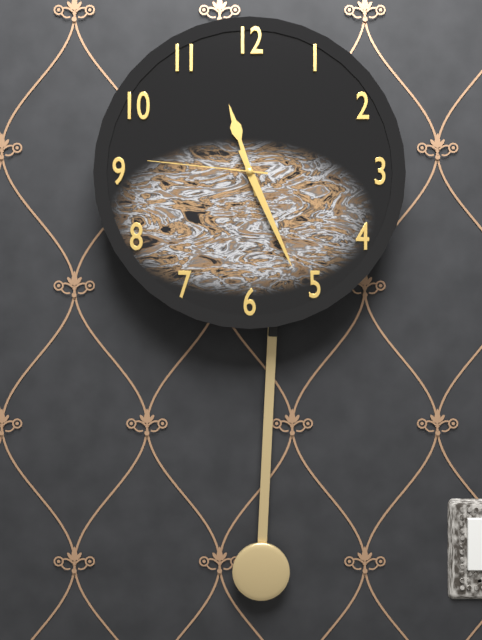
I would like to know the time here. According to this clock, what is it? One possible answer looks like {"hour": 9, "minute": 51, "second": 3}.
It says {"hour": 11, "minute": 26, "second": 46}
